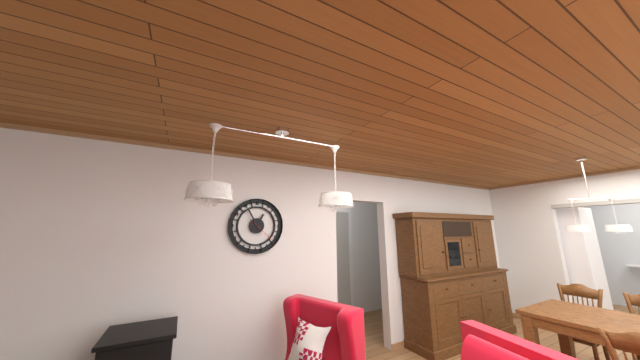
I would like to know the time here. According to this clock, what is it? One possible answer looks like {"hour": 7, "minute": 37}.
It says {"hour": 12, "minute": 55}
